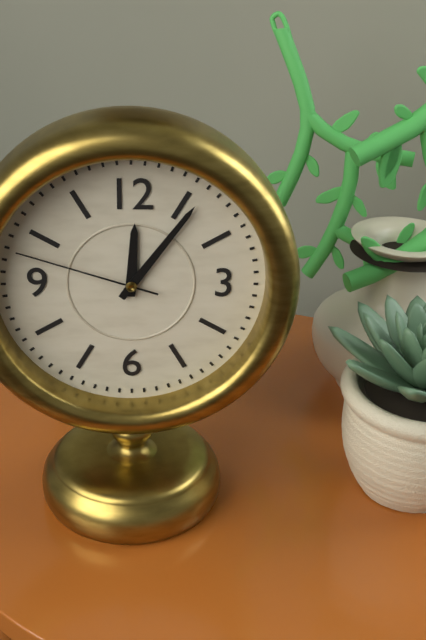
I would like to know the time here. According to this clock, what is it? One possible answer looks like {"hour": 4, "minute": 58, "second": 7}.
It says {"hour": 12, "minute": 6, "second": 48}
